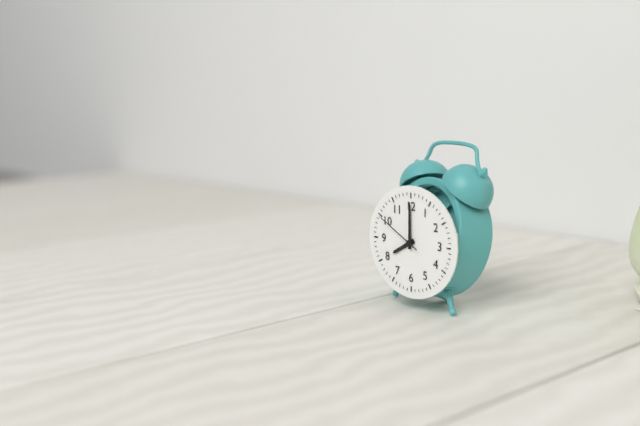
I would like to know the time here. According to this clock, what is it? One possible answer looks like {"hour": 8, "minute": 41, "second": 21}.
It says {"hour": 8, "minute": 0, "second": 50}
